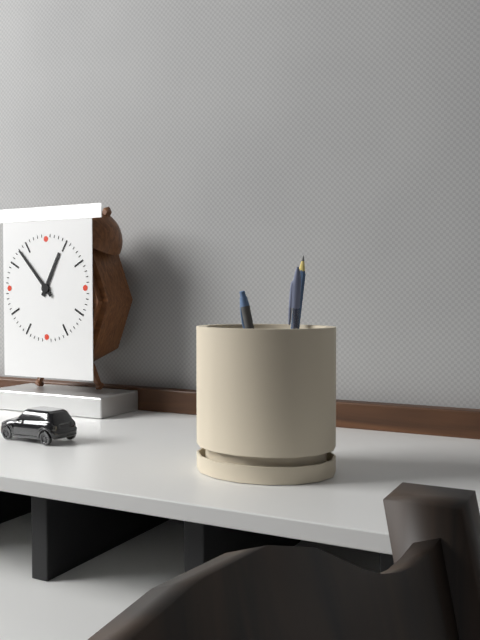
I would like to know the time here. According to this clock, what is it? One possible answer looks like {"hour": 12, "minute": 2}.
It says {"hour": 12, "minute": 53}
